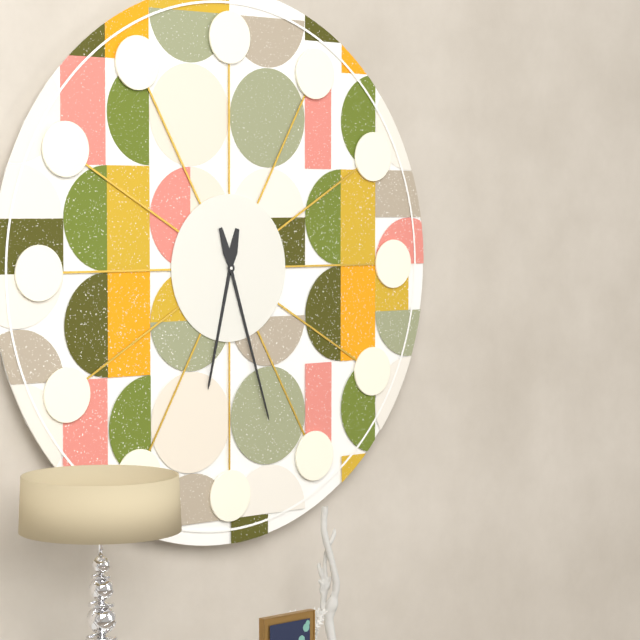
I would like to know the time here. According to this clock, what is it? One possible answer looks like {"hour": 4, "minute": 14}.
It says {"hour": 6, "minute": 27}
